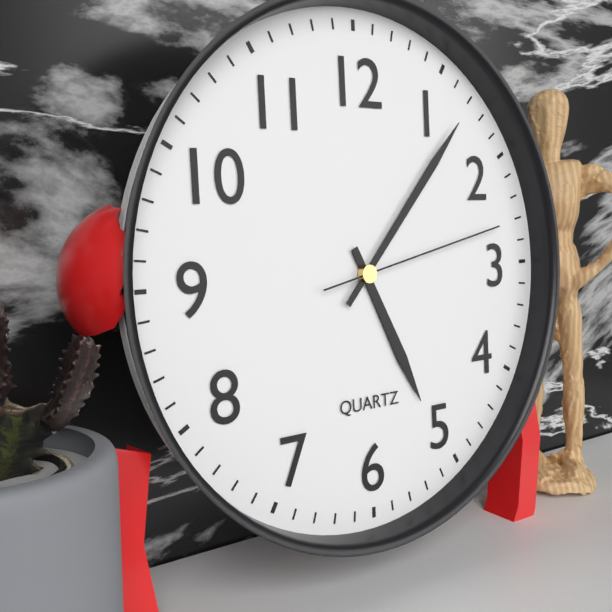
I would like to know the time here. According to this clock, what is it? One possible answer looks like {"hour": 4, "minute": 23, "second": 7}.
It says {"hour": 5, "minute": 7, "second": 13}
